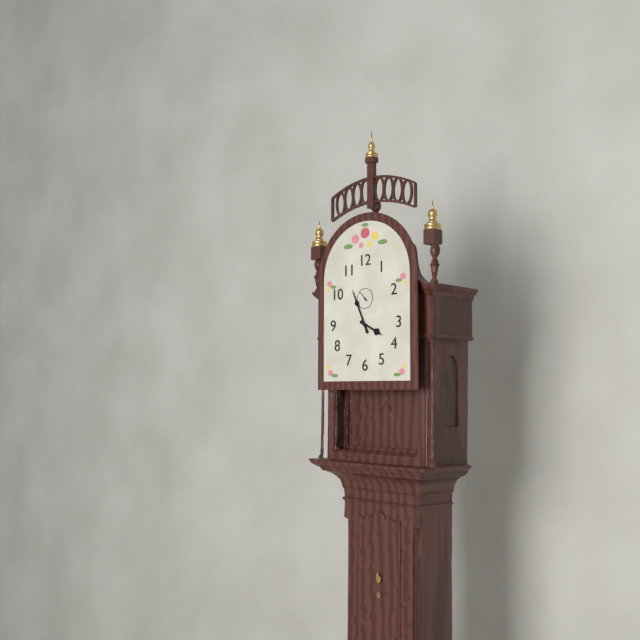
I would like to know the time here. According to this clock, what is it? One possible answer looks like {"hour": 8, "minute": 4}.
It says {"hour": 3, "minute": 56}
